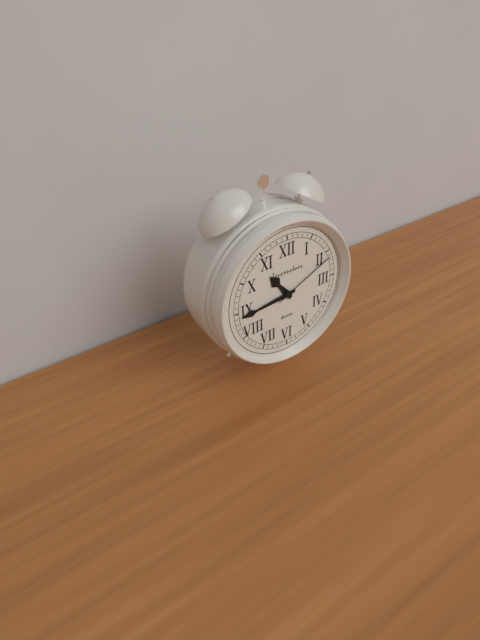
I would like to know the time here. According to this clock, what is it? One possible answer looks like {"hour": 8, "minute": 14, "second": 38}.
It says {"hour": 10, "minute": 44, "second": 11}
